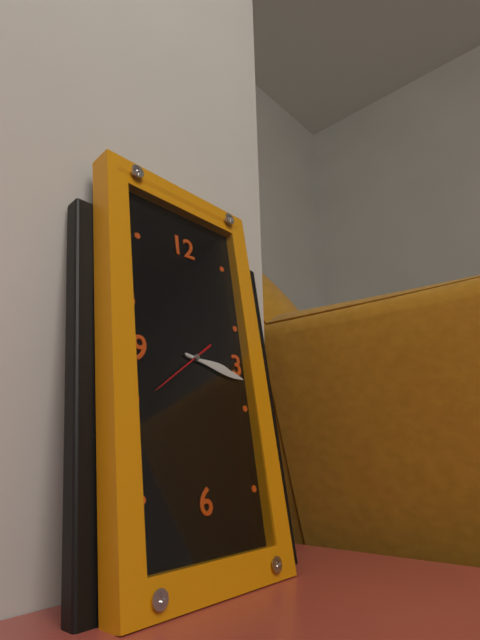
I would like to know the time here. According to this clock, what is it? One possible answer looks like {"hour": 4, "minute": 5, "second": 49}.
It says {"hour": 3, "minute": 17, "second": 39}
